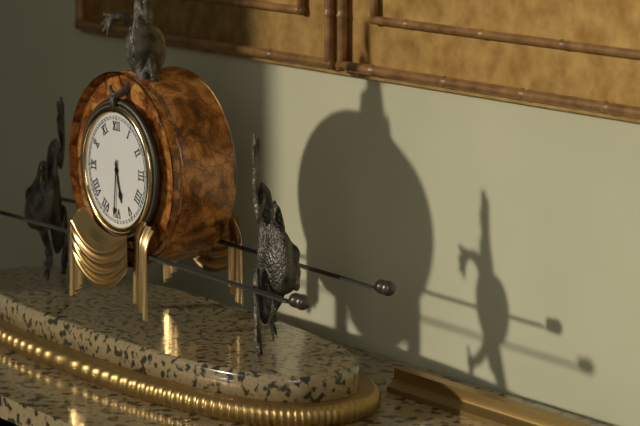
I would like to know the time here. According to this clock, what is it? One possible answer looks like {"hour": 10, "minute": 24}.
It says {"hour": 5, "minute": 31}
